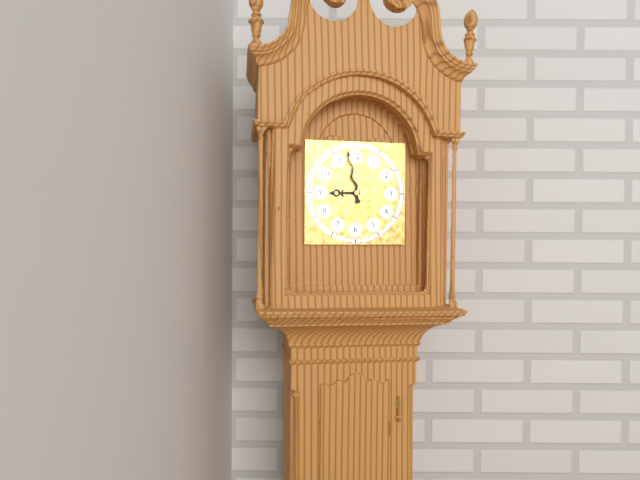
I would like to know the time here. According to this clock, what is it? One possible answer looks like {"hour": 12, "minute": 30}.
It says {"hour": 8, "minute": 58}
